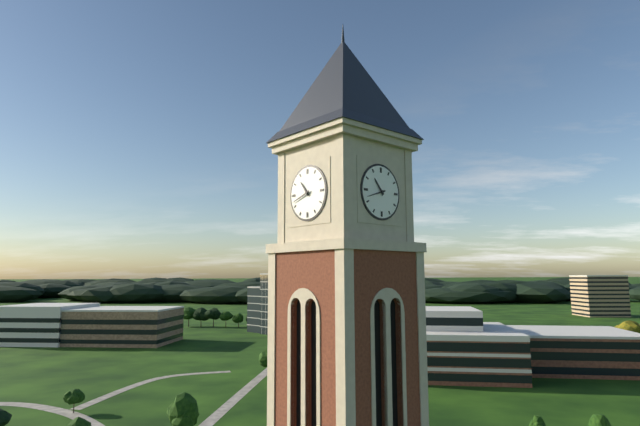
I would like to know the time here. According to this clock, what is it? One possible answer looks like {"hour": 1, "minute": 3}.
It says {"hour": 10, "minute": 42}
